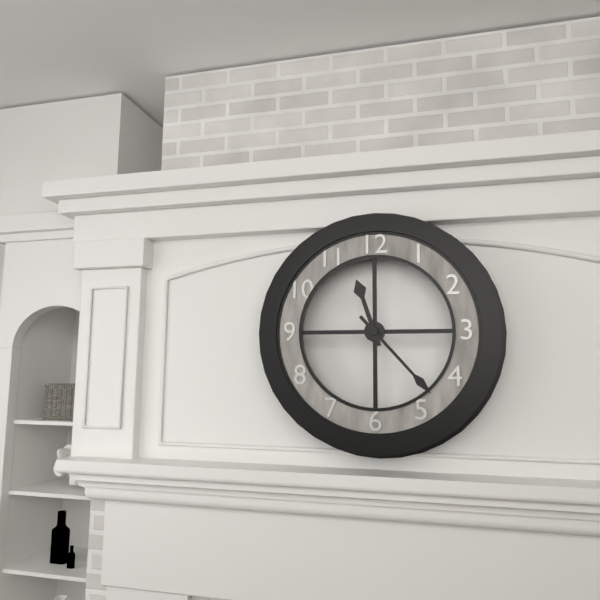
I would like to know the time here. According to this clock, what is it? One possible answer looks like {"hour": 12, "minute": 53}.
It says {"hour": 11, "minute": 23}
